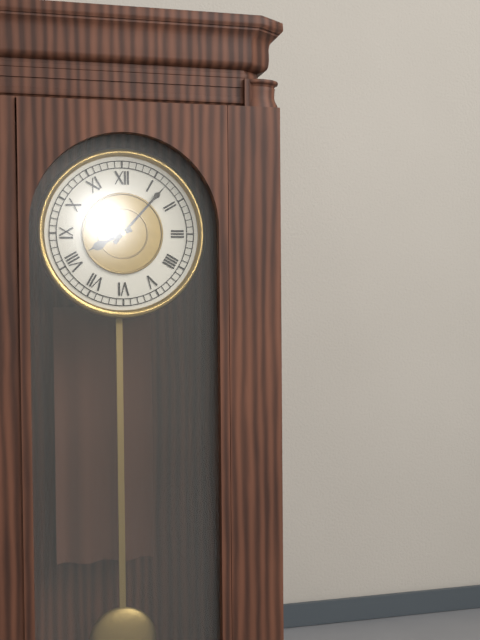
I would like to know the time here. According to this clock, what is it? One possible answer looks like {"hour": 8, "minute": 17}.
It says {"hour": 8, "minute": 7}
